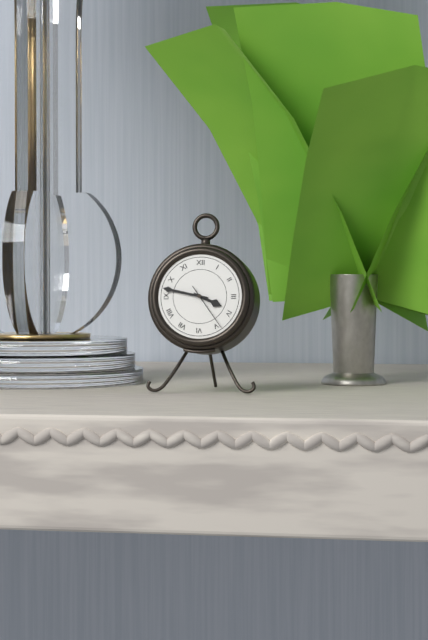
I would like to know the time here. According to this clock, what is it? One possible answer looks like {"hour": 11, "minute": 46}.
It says {"hour": 3, "minute": 47}
